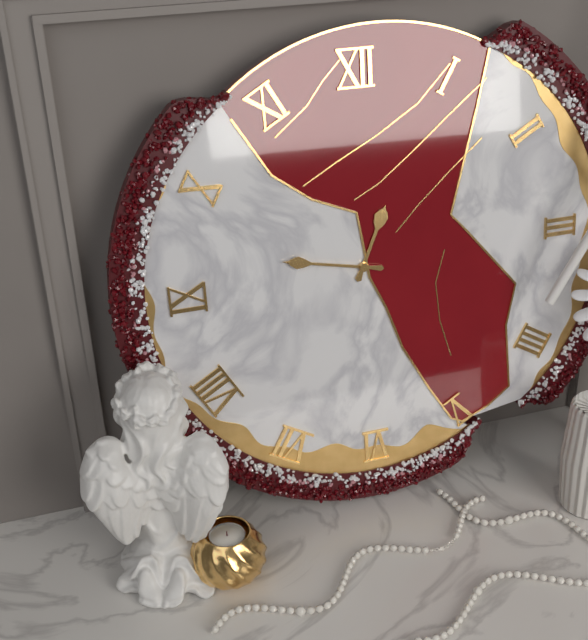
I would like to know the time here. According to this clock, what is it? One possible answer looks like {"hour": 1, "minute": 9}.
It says {"hour": 12, "minute": 47}
